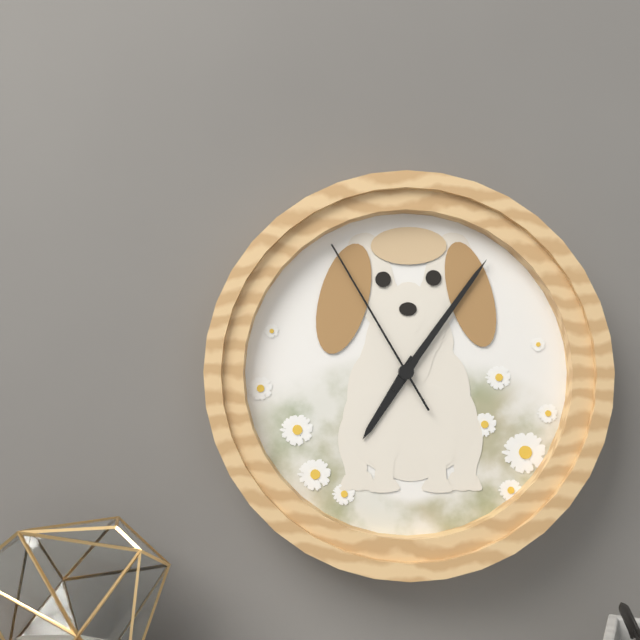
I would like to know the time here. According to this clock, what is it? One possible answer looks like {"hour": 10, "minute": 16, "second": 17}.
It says {"hour": 7, "minute": 6, "second": 55}
